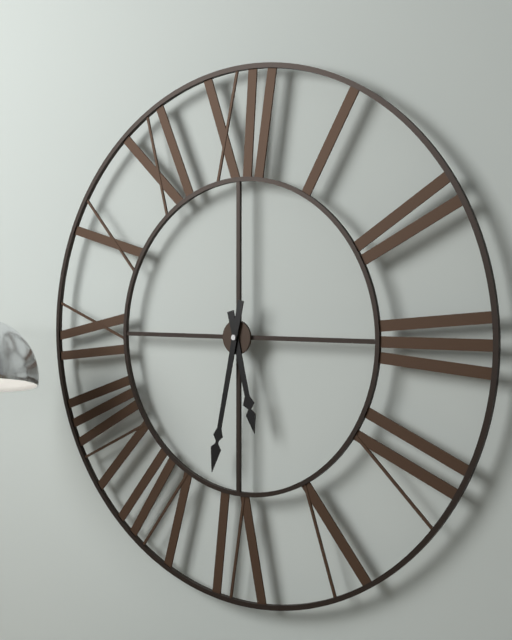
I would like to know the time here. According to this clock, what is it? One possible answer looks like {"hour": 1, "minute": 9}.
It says {"hour": 5, "minute": 32}
